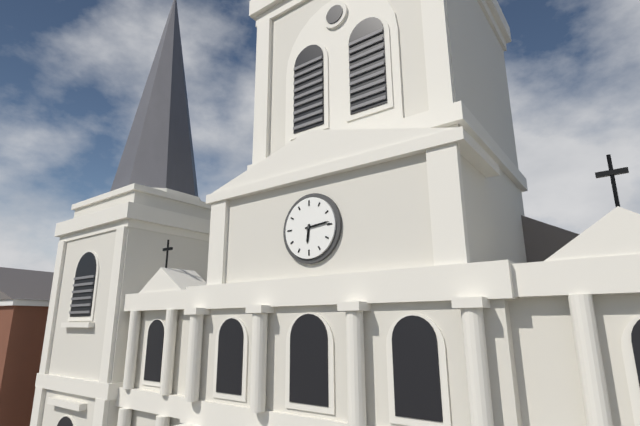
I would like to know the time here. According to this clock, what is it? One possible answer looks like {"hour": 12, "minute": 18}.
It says {"hour": 6, "minute": 14}
